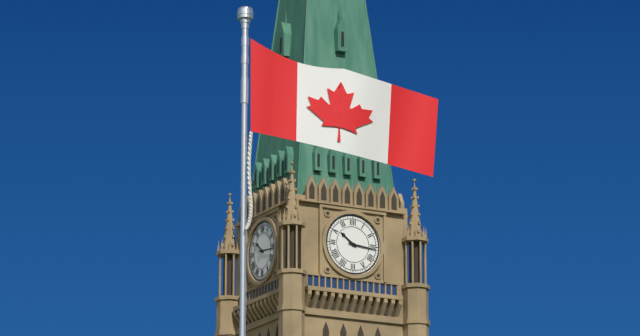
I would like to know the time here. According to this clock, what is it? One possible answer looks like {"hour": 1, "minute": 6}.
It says {"hour": 10, "minute": 16}
